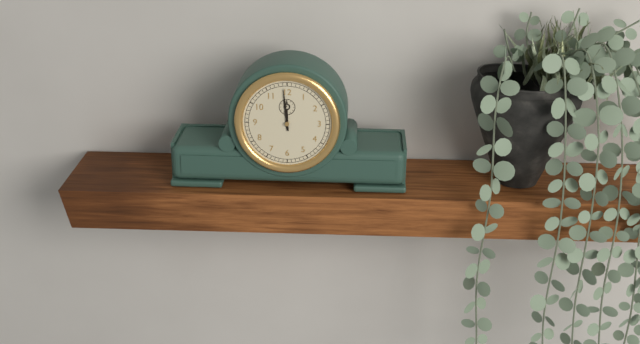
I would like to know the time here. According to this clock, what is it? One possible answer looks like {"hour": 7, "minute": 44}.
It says {"hour": 11, "minute": 59}
